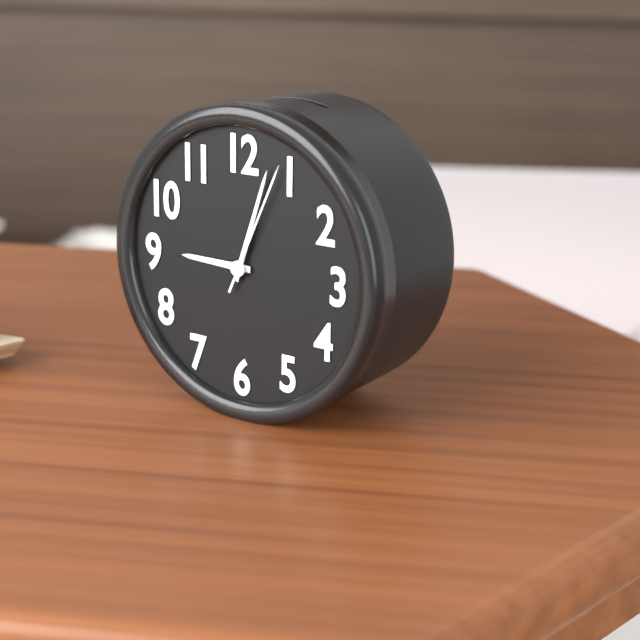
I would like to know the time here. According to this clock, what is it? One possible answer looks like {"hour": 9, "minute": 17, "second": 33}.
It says {"hour": 9, "minute": 3, "second": 4}
